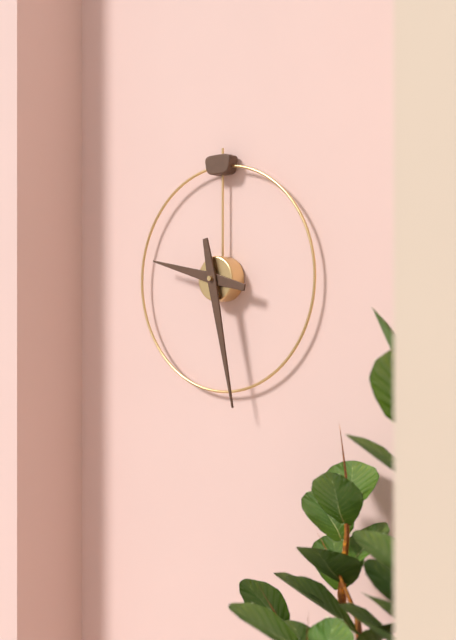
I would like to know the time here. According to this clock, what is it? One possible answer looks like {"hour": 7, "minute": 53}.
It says {"hour": 9, "minute": 28}
